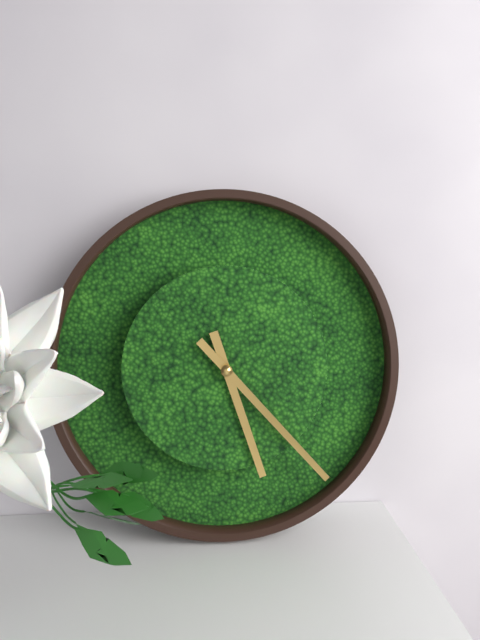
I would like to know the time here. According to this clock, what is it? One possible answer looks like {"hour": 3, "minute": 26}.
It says {"hour": 5, "minute": 23}
